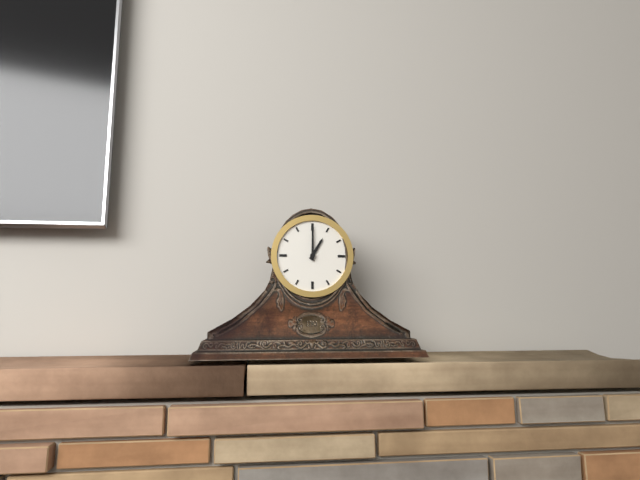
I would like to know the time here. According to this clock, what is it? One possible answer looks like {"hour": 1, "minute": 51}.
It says {"hour": 1, "minute": 0}
